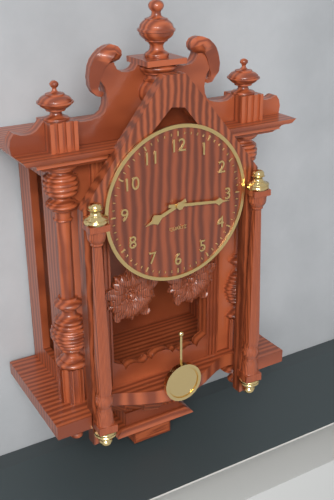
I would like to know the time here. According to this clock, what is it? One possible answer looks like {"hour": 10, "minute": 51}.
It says {"hour": 8, "minute": 16}
